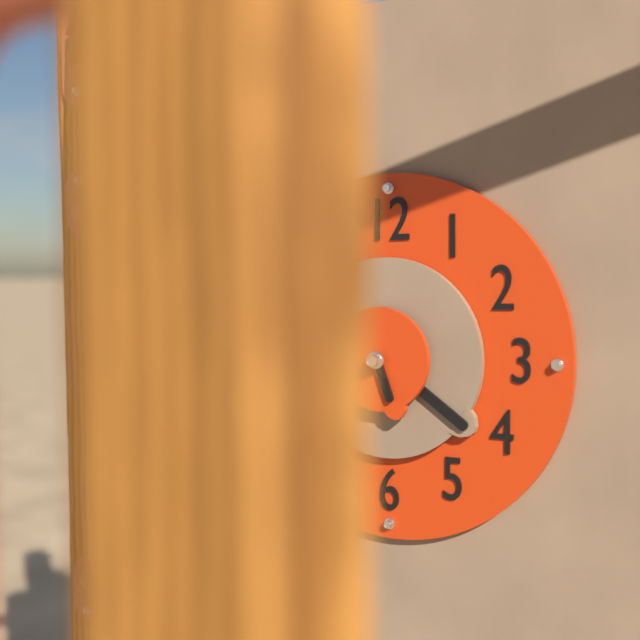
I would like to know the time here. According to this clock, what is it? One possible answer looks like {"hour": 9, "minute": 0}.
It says {"hour": 5, "minute": 21}
